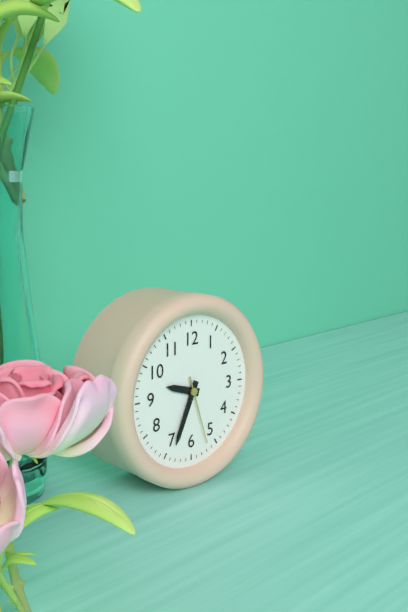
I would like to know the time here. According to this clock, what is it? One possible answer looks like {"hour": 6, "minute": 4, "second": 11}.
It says {"hour": 9, "minute": 34, "second": 27}
